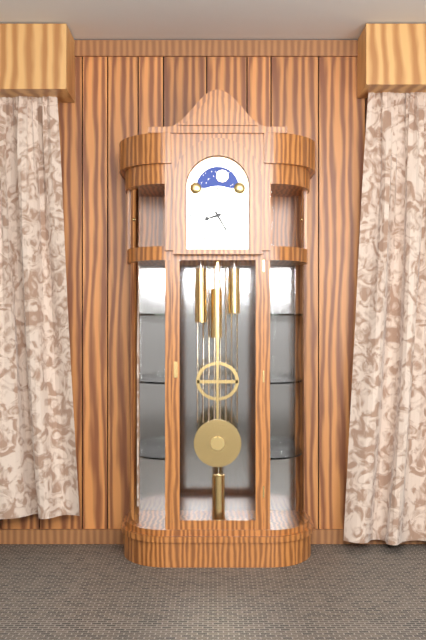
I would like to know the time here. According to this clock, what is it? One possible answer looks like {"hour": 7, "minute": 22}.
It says {"hour": 8, "minute": 25}
